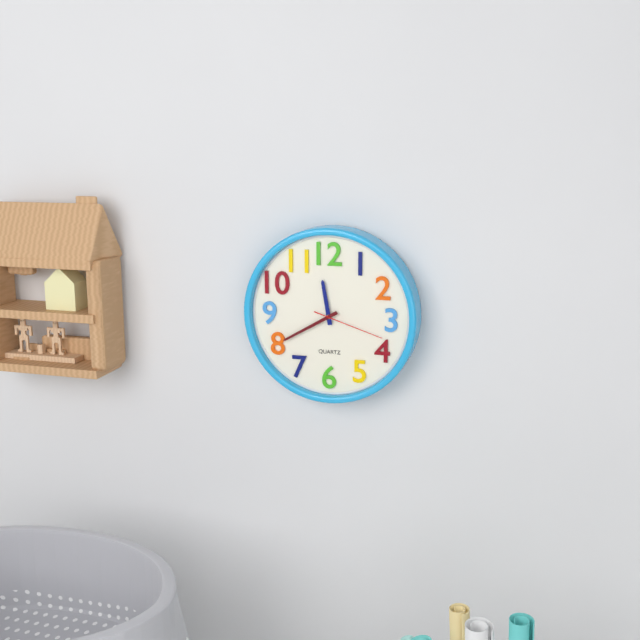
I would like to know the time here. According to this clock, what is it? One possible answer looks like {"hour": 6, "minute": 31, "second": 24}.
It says {"hour": 11, "minute": 40, "second": 18}
